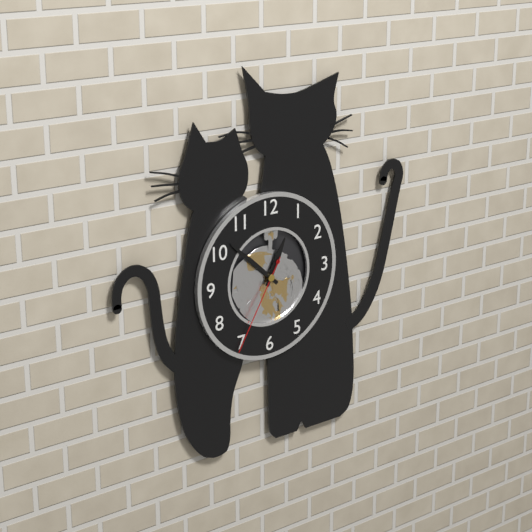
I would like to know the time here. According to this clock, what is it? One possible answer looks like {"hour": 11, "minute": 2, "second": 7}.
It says {"hour": 12, "minute": 52, "second": 35}
